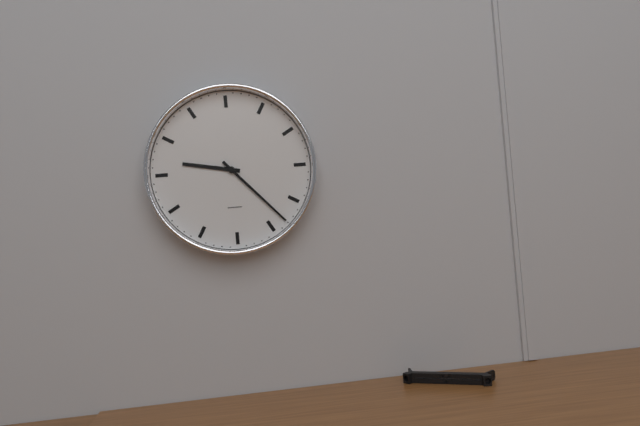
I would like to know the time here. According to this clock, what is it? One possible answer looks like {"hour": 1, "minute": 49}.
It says {"hour": 9, "minute": 23}
